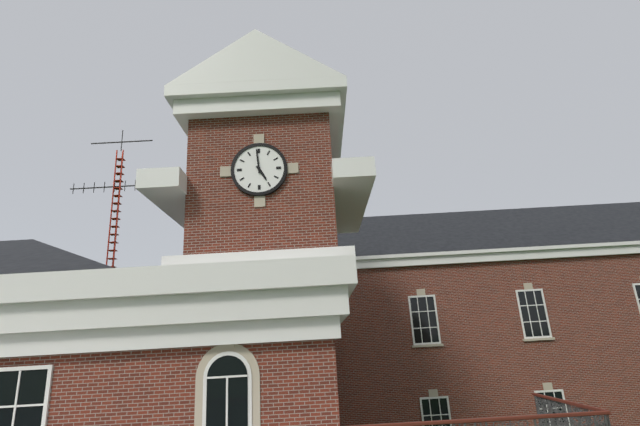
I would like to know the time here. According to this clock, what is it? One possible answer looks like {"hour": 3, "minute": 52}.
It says {"hour": 4, "minute": 59}
